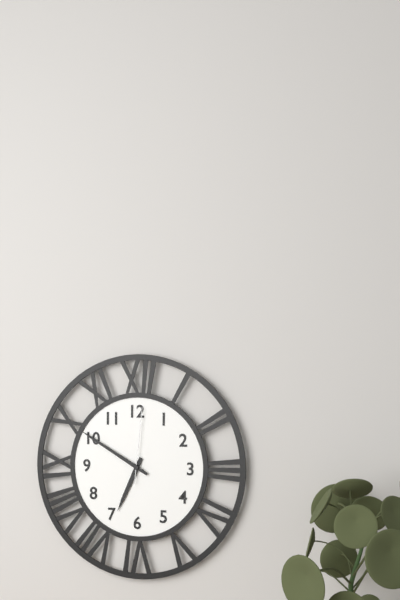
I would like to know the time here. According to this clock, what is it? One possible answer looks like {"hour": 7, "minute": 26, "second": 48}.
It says {"hour": 6, "minute": 50, "second": 1}
